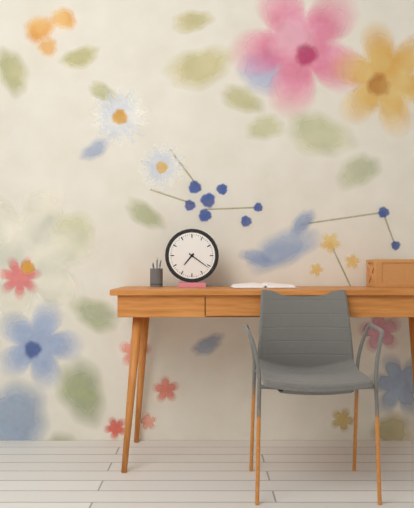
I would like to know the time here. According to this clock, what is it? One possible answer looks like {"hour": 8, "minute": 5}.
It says {"hour": 7, "minute": 21}
